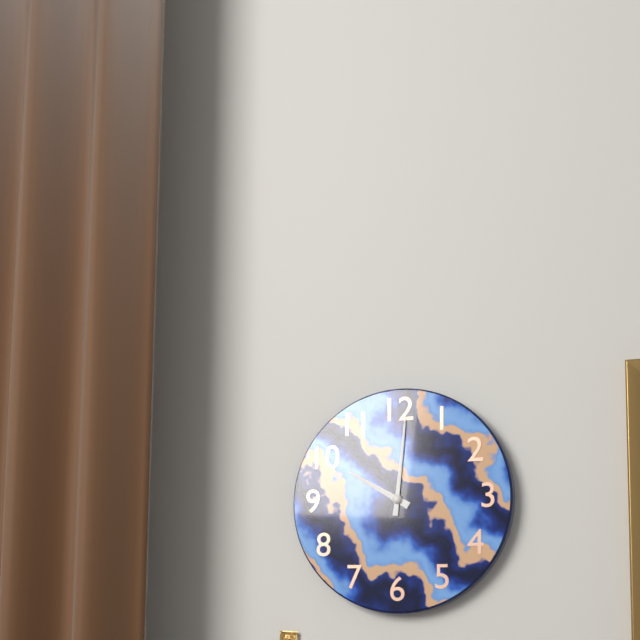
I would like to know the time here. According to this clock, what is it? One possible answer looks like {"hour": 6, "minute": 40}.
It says {"hour": 10, "minute": 1}
